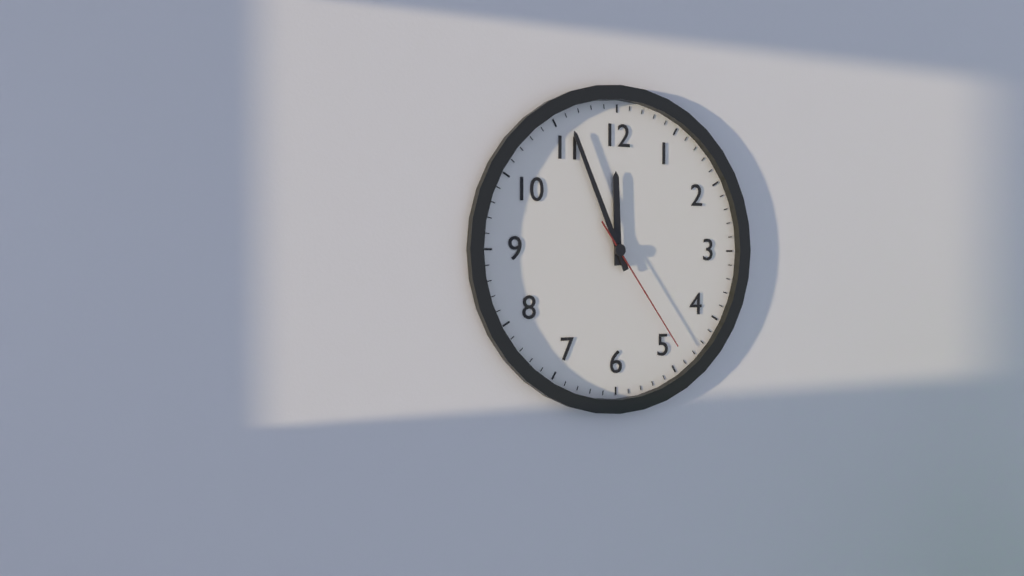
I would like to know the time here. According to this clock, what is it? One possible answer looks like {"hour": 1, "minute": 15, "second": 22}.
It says {"hour": 11, "minute": 56, "second": 24}
